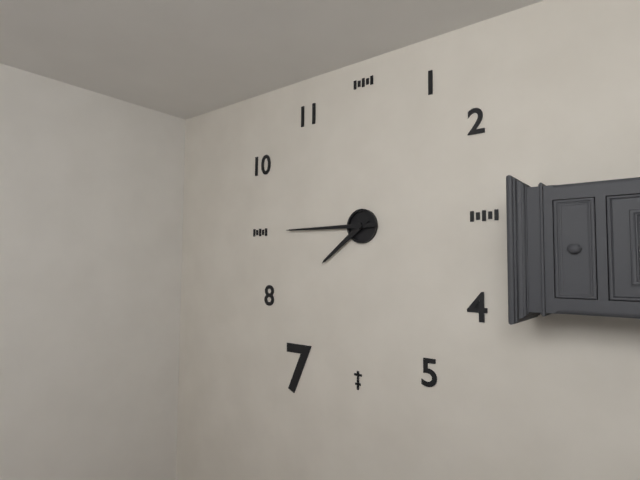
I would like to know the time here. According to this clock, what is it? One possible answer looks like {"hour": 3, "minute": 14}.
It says {"hour": 7, "minute": 45}
